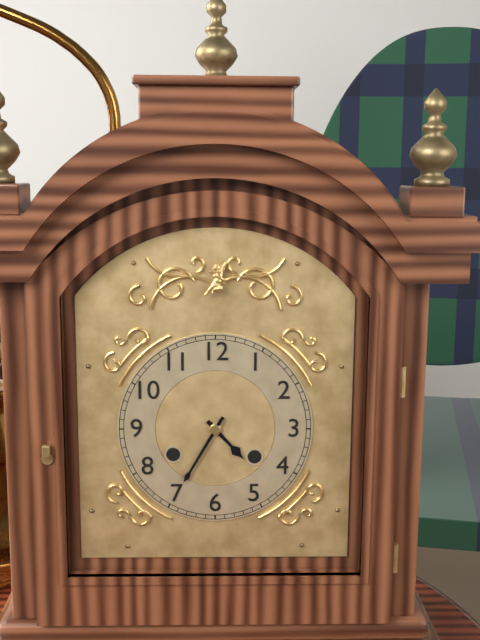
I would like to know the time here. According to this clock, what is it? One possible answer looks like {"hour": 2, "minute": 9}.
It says {"hour": 4, "minute": 35}
